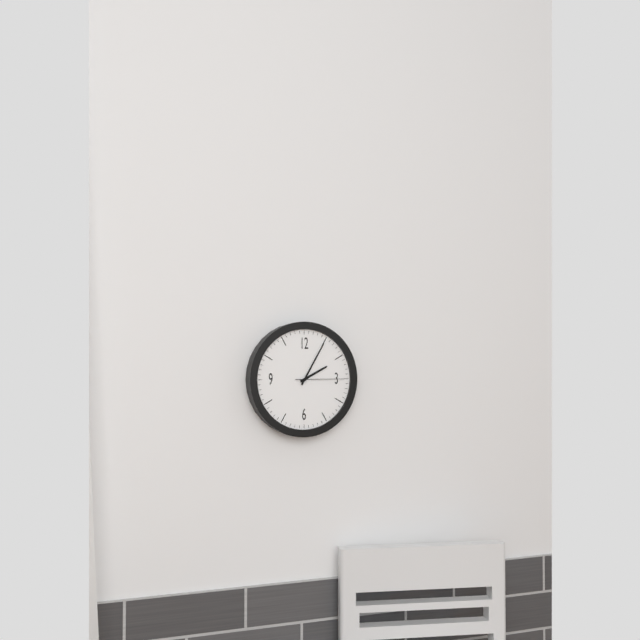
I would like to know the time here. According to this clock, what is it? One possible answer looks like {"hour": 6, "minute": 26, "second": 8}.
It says {"hour": 2, "minute": 5, "second": 15}
